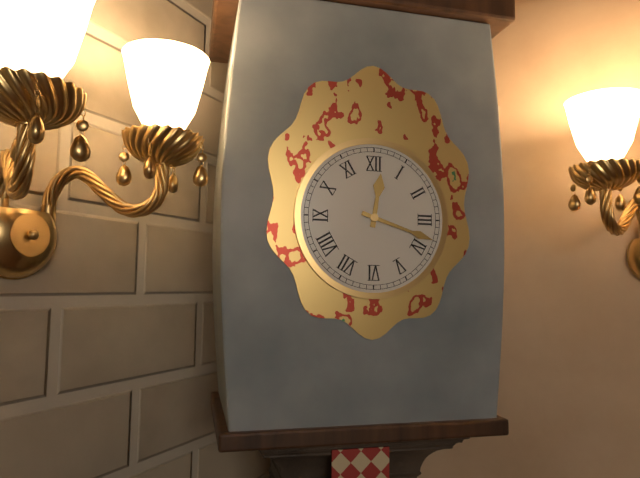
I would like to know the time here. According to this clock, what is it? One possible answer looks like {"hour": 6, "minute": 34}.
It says {"hour": 12, "minute": 18}
